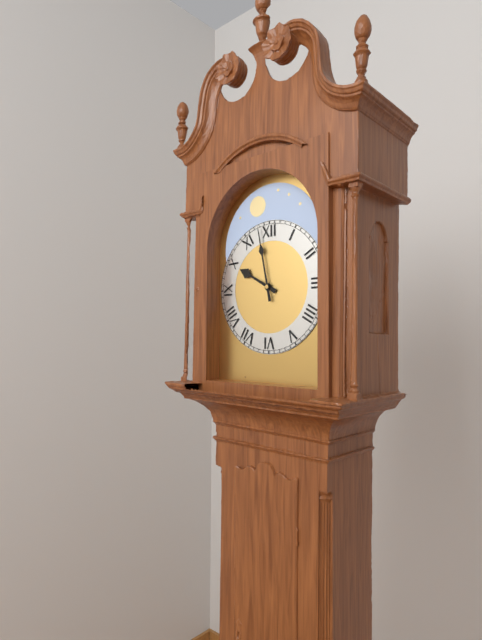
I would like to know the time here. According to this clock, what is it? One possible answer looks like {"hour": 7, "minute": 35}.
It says {"hour": 9, "minute": 58}
